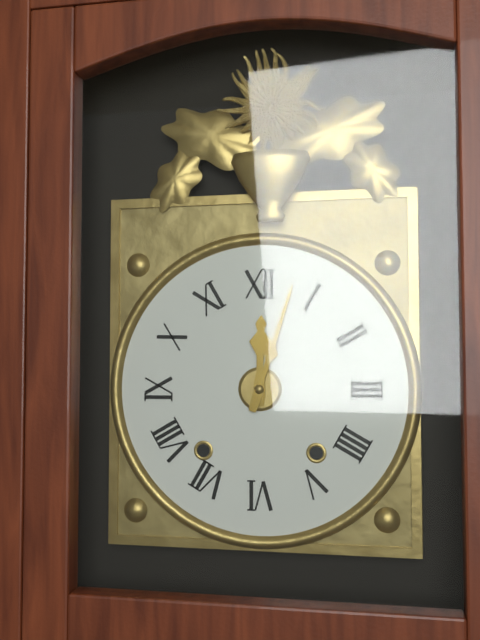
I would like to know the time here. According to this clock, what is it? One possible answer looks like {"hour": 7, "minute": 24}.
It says {"hour": 12, "minute": 3}
